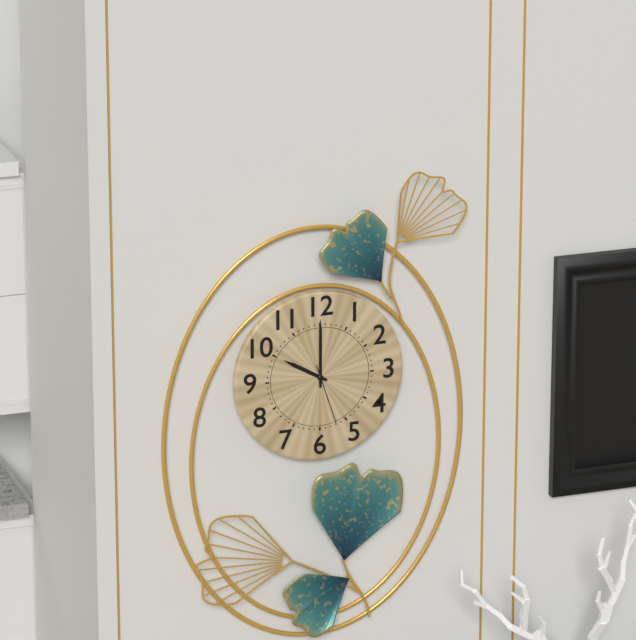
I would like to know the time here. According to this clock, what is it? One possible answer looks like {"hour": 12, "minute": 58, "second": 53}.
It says {"hour": 10, "minute": 0, "second": 27}
